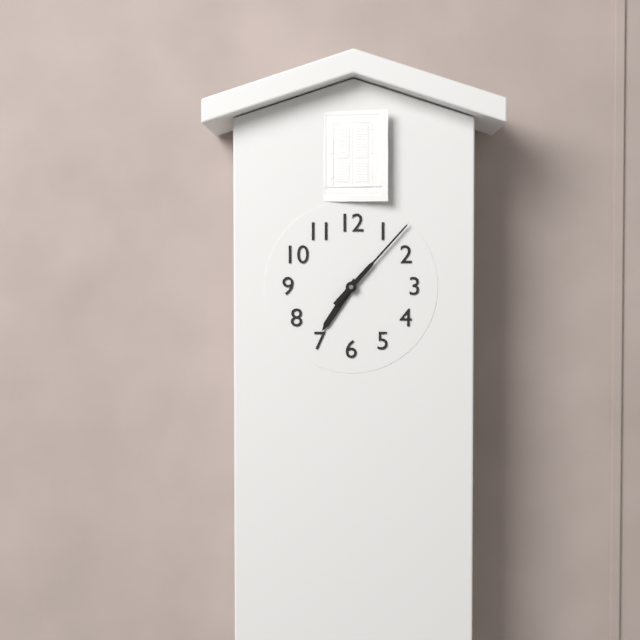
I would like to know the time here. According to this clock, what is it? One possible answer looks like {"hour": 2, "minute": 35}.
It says {"hour": 7, "minute": 7}
